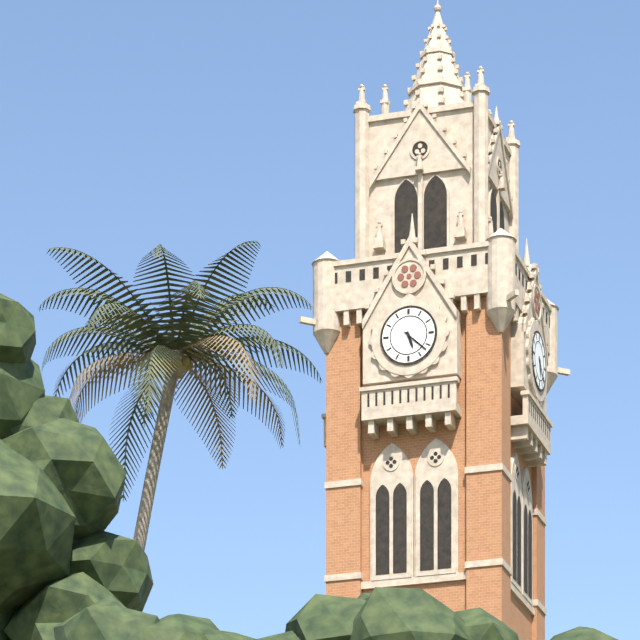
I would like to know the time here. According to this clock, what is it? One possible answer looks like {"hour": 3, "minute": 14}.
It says {"hour": 5, "minute": 22}
